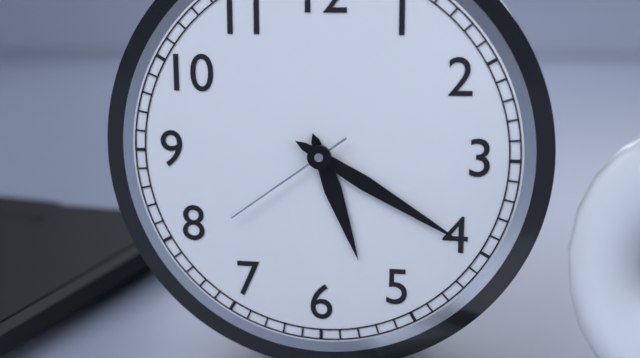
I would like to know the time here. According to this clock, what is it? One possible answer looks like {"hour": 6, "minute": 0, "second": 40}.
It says {"hour": 5, "minute": 20, "second": 39}
